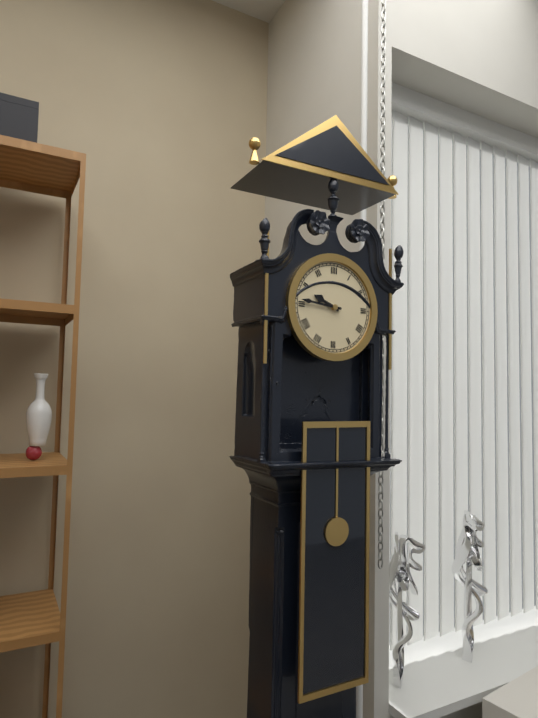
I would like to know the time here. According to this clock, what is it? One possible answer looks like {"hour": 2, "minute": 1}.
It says {"hour": 9, "minute": 46}
